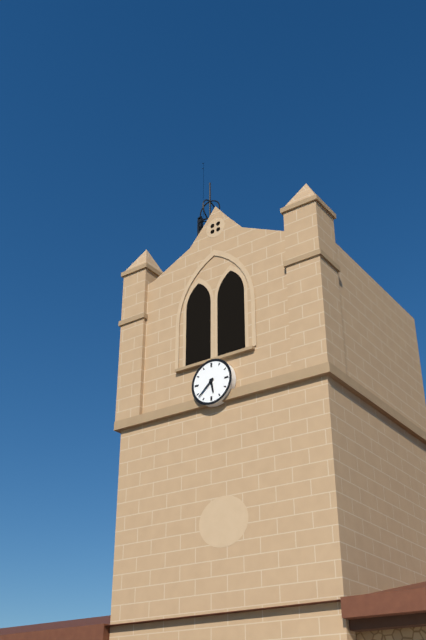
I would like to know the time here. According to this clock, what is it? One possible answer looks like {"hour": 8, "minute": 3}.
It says {"hour": 5, "minute": 38}
